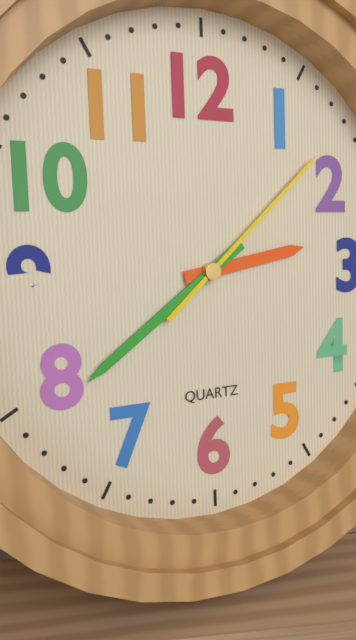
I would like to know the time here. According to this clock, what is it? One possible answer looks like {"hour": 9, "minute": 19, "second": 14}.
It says {"hour": 2, "minute": 39, "second": 8}
